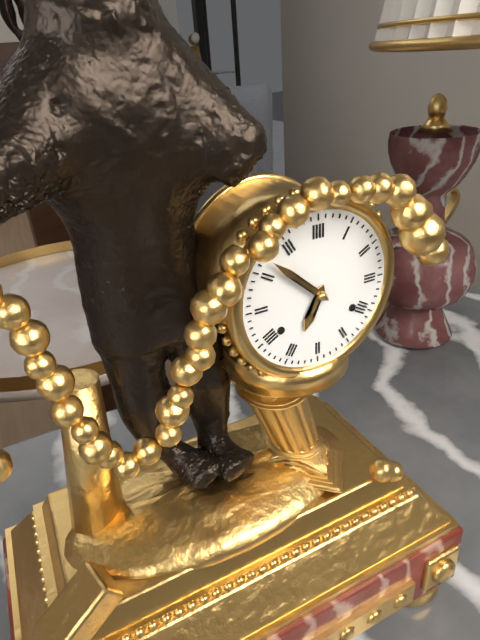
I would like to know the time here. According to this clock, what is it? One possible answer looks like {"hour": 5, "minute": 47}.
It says {"hour": 6, "minute": 52}
